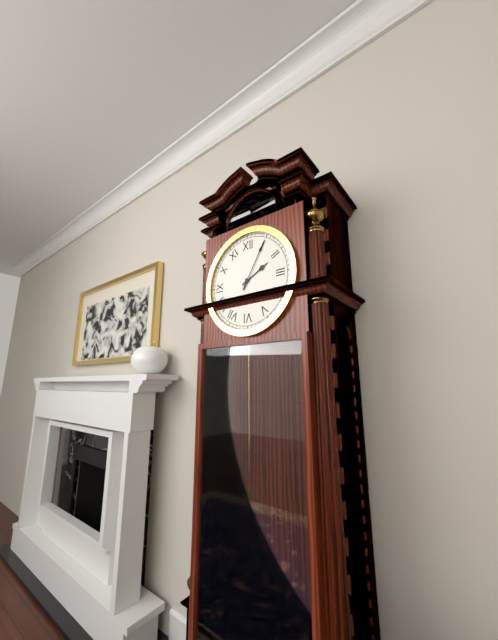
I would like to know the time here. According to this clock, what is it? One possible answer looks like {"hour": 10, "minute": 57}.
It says {"hour": 2, "minute": 5}
